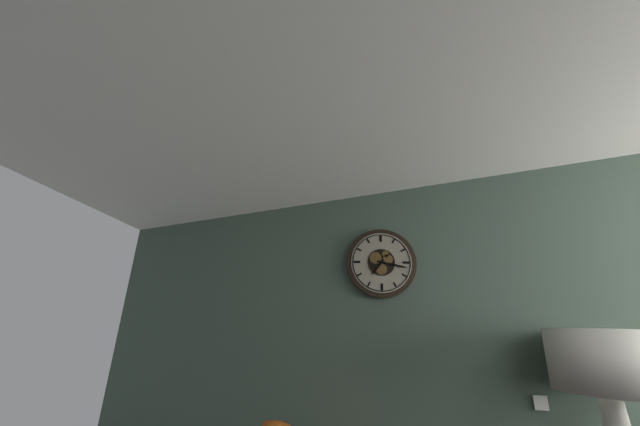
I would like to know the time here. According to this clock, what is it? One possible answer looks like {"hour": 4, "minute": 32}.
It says {"hour": 7, "minute": 17}
